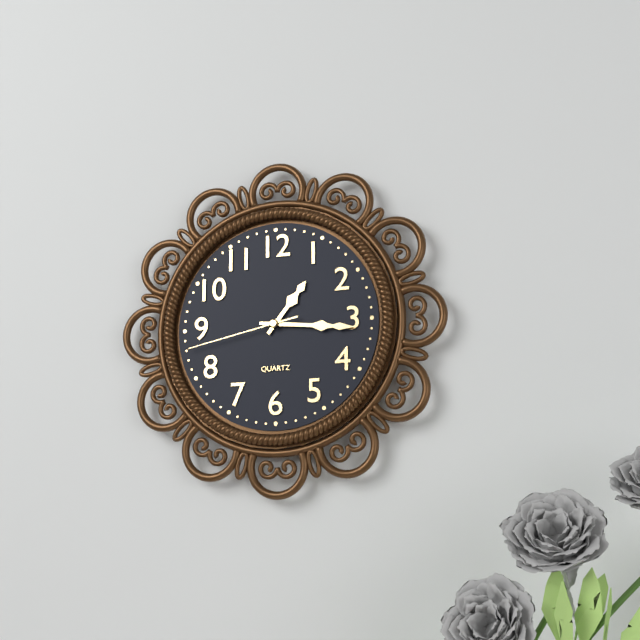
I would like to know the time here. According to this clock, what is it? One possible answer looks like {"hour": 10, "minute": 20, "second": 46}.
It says {"hour": 1, "minute": 16, "second": 43}
